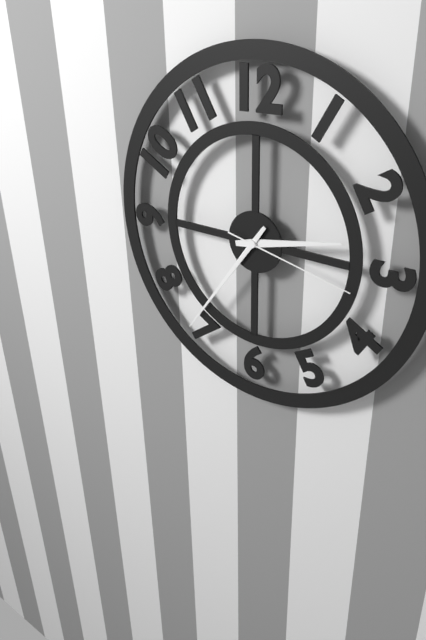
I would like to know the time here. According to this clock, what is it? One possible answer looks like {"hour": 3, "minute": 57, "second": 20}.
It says {"hour": 2, "minute": 36, "second": 17}
